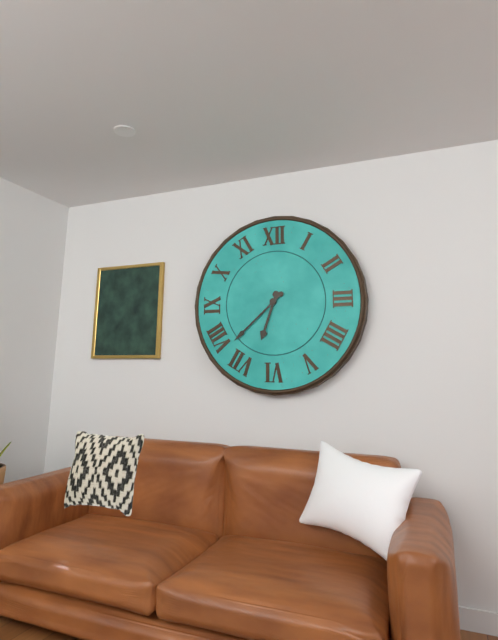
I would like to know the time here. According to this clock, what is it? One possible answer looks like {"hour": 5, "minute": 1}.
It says {"hour": 6, "minute": 38}
